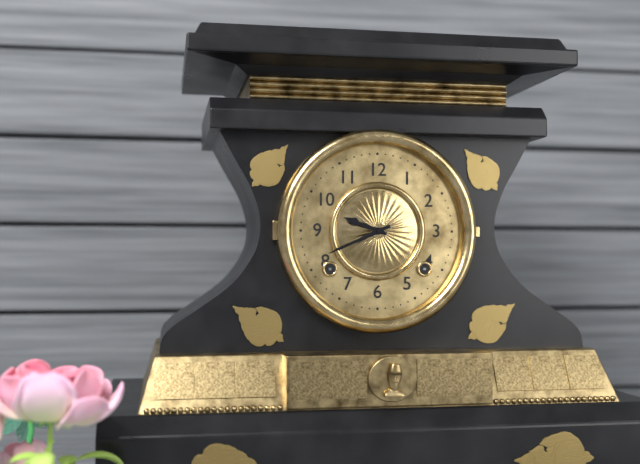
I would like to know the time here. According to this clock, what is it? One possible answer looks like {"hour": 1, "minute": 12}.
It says {"hour": 9, "minute": 41}
